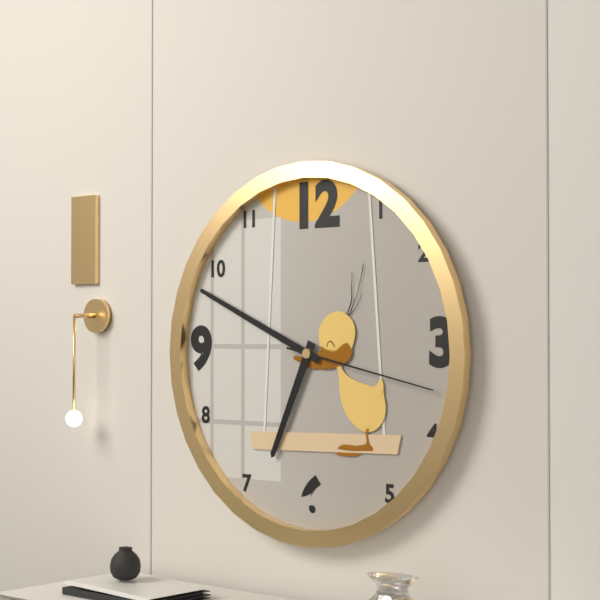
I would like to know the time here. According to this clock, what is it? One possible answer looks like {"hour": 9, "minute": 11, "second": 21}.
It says {"hour": 6, "minute": 49, "second": 17}
